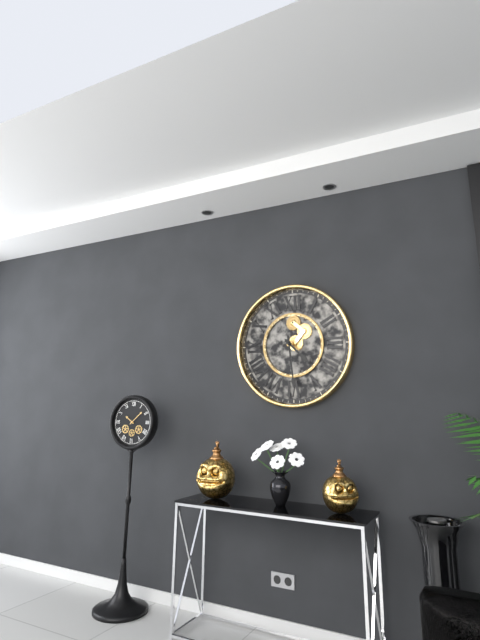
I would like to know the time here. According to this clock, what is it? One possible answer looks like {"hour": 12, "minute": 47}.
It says {"hour": 4, "minute": 29}
